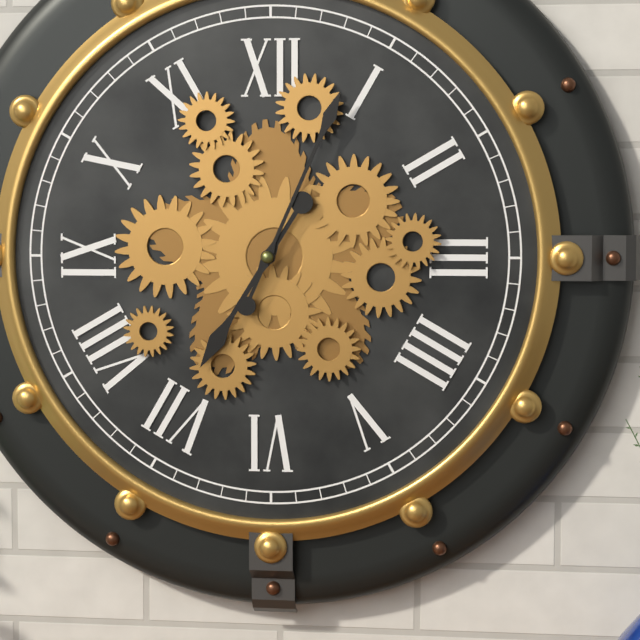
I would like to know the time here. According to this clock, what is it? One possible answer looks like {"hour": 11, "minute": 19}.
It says {"hour": 7, "minute": 4}
